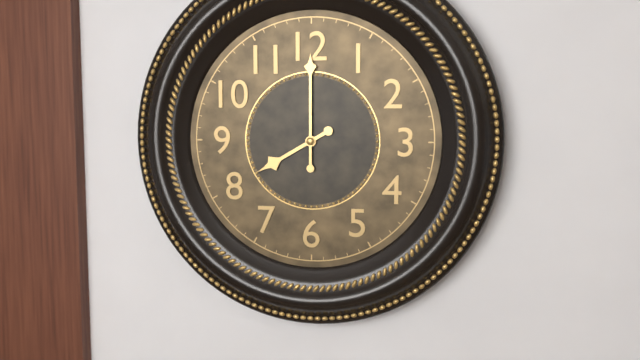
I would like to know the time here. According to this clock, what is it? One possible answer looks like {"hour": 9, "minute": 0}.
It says {"hour": 8, "minute": 0}
